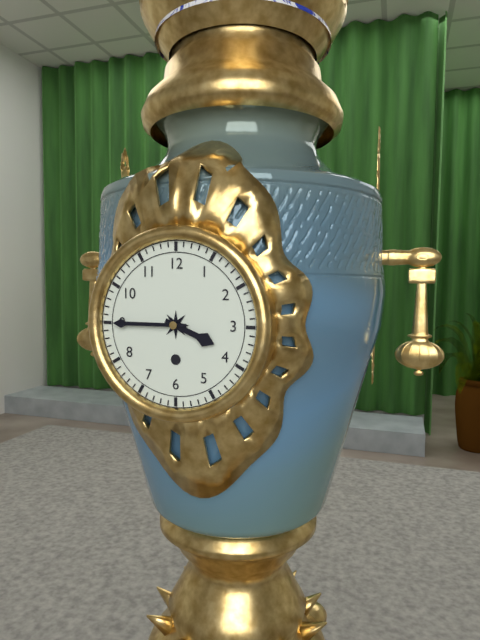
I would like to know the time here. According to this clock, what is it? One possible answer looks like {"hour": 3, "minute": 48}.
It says {"hour": 3, "minute": 45}
